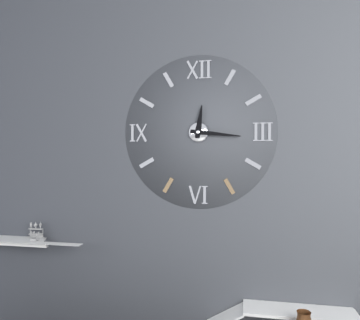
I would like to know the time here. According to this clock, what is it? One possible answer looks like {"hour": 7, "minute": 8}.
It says {"hour": 12, "minute": 16}
